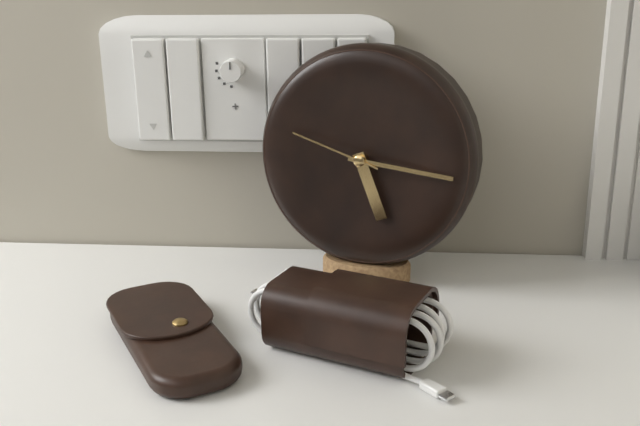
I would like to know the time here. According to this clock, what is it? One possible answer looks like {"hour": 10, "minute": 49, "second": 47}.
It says {"hour": 5, "minute": 16, "second": 48}
